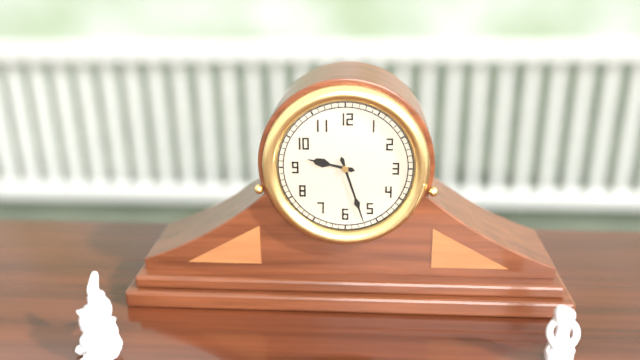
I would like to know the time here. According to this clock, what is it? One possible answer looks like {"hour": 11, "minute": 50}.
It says {"hour": 9, "minute": 27}
